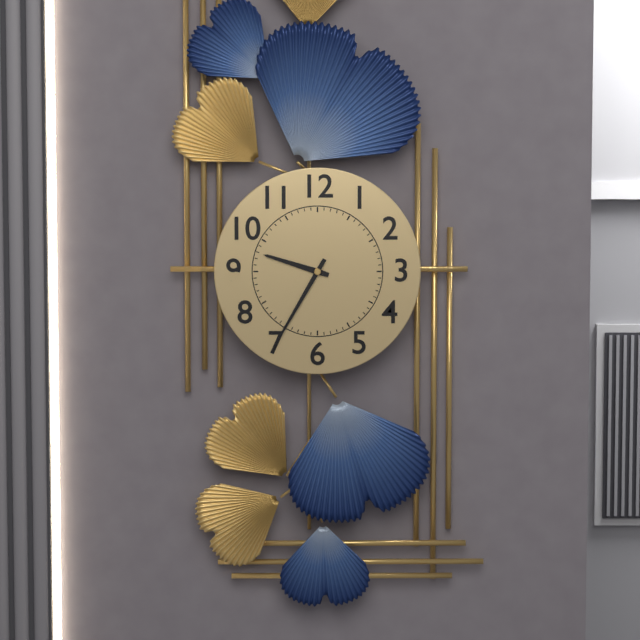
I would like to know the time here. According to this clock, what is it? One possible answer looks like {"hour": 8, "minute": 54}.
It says {"hour": 9, "minute": 35}
